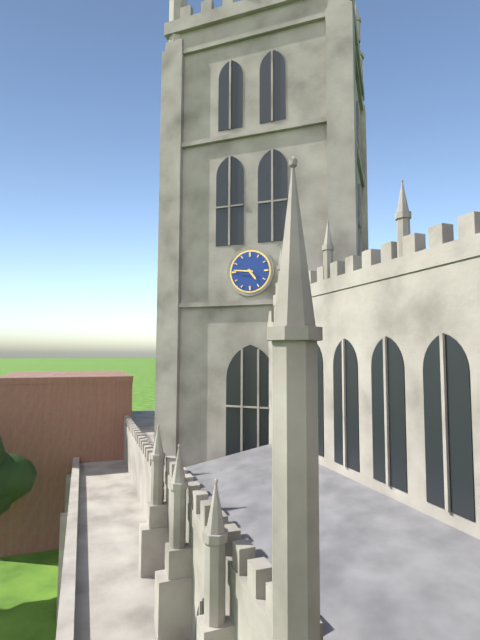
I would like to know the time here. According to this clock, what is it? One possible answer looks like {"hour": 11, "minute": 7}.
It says {"hour": 4, "minute": 46}
